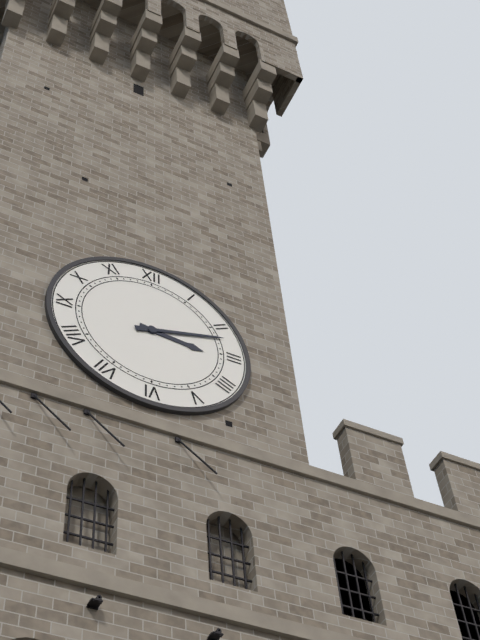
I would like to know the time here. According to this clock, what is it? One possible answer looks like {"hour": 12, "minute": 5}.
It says {"hour": 3, "minute": 12}
